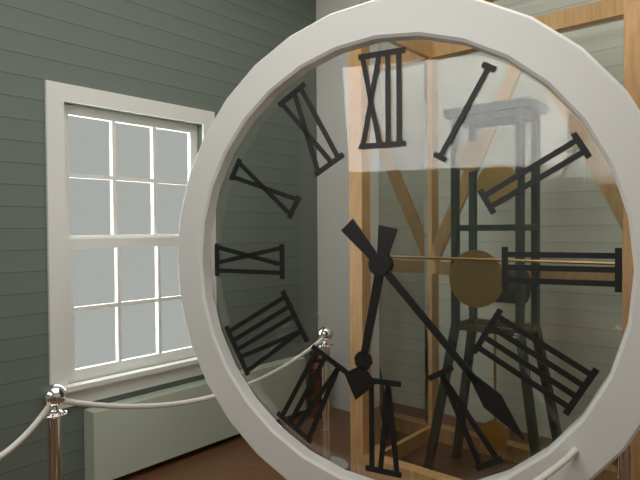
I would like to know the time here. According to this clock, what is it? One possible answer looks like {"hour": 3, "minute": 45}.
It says {"hour": 6, "minute": 23}
